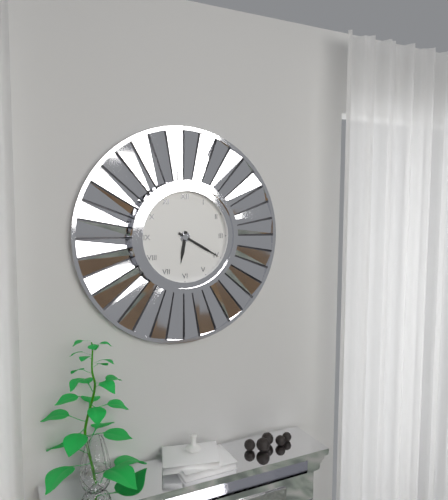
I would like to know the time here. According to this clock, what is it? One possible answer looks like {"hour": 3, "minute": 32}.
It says {"hour": 6, "minute": 20}
